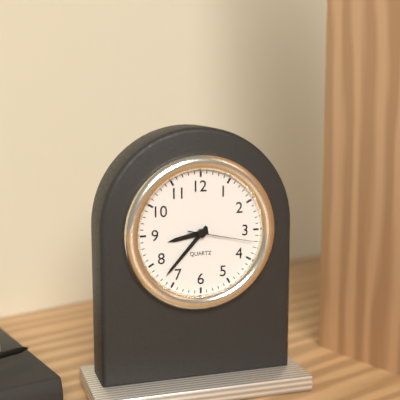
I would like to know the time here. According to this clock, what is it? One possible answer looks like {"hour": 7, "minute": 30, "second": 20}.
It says {"hour": 8, "minute": 37, "second": 17}
